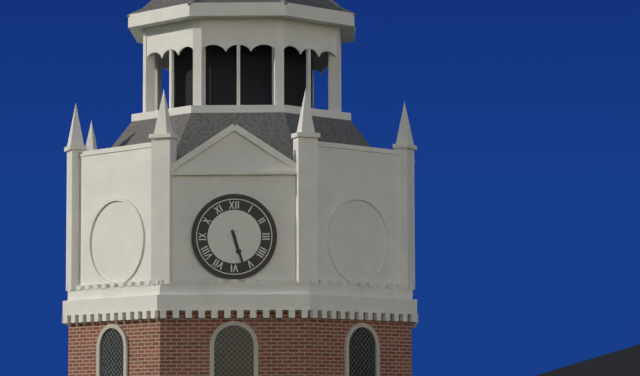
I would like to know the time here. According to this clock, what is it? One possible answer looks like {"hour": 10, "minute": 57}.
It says {"hour": 5, "minute": 27}
